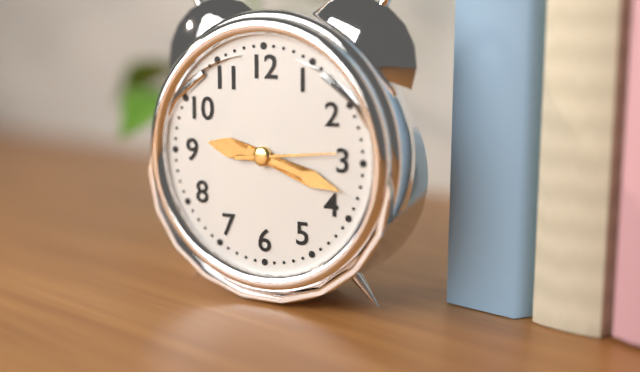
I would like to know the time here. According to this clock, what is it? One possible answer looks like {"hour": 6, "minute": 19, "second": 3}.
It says {"hour": 9, "minute": 18, "second": 14}
